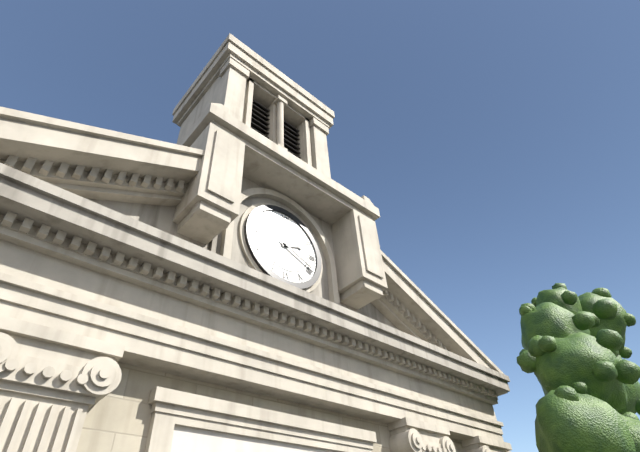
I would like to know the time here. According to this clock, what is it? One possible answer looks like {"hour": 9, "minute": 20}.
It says {"hour": 2, "minute": 19}
